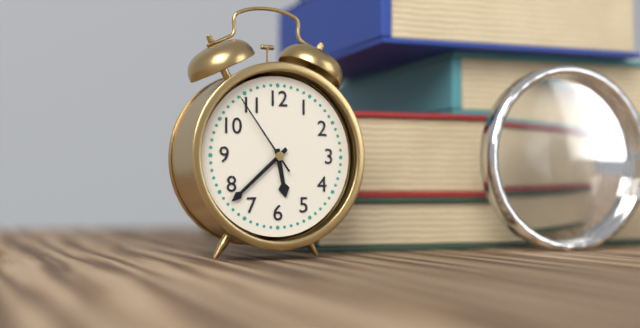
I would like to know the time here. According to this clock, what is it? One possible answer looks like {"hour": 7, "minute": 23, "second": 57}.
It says {"hour": 5, "minute": 38, "second": 54}
